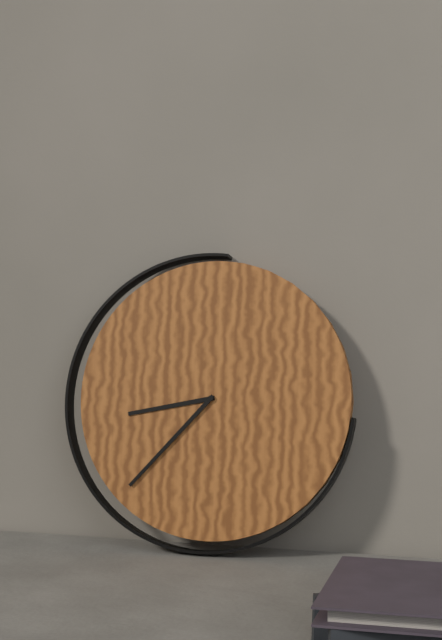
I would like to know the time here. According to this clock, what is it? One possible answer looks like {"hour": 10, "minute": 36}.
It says {"hour": 8, "minute": 37}
